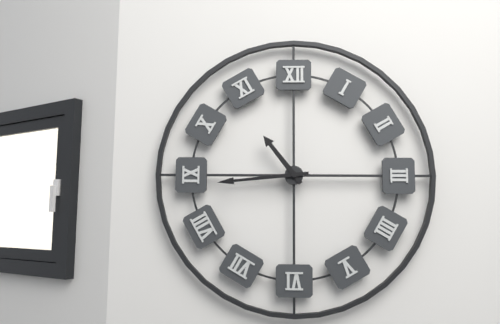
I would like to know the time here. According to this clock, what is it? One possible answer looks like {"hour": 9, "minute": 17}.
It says {"hour": 10, "minute": 44}
